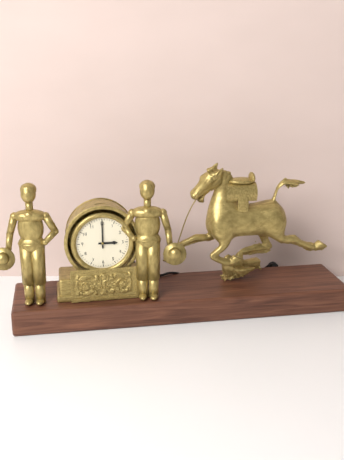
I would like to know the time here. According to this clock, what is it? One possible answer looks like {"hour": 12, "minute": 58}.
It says {"hour": 3, "minute": 0}
